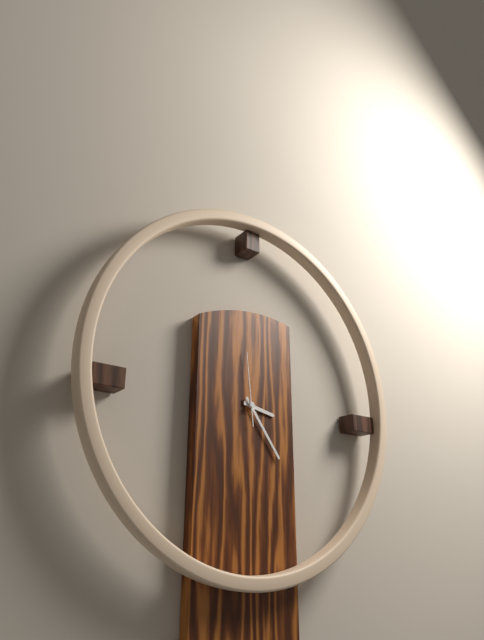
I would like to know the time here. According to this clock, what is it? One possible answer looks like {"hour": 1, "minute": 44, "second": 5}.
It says {"hour": 3, "minute": 24, "second": 59}
